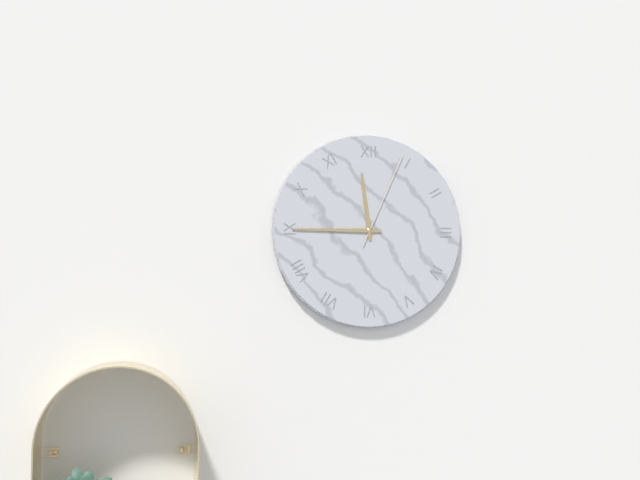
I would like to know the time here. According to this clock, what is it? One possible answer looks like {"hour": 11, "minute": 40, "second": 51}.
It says {"hour": 11, "minute": 45, "second": 4}
